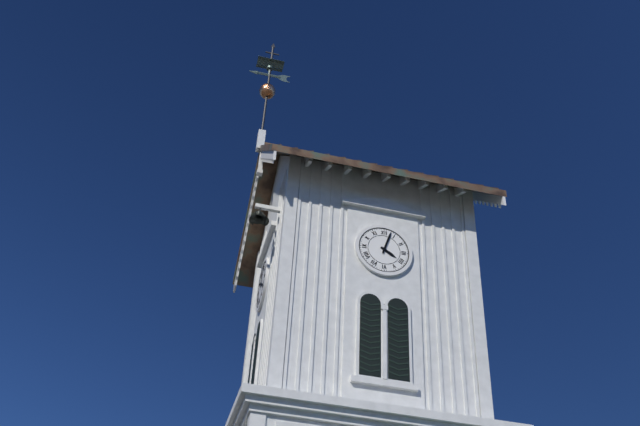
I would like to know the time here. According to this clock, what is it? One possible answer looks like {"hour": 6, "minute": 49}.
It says {"hour": 4, "minute": 3}
